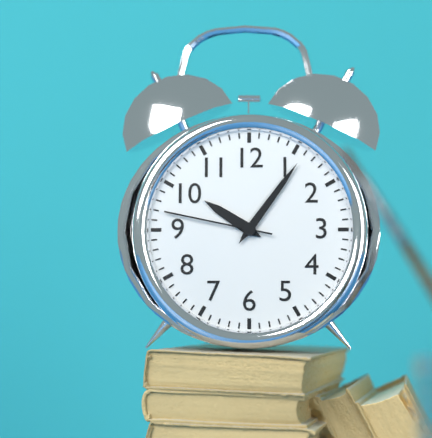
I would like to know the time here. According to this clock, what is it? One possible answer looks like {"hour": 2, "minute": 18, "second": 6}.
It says {"hour": 10, "minute": 6, "second": 47}
